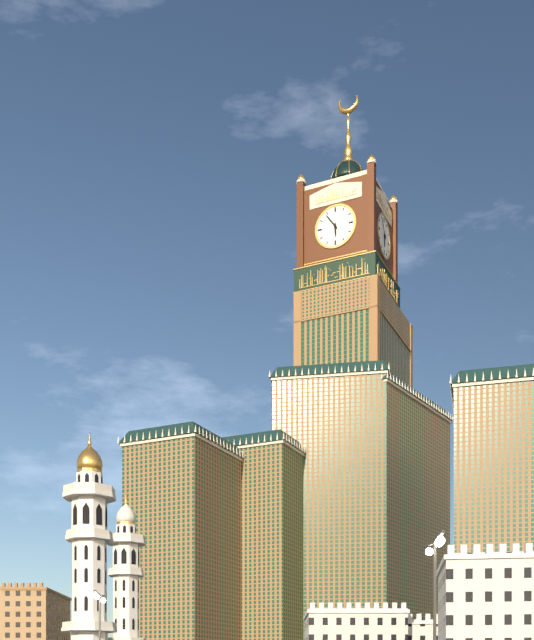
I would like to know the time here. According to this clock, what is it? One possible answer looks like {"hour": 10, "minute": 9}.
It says {"hour": 5, "minute": 54}
